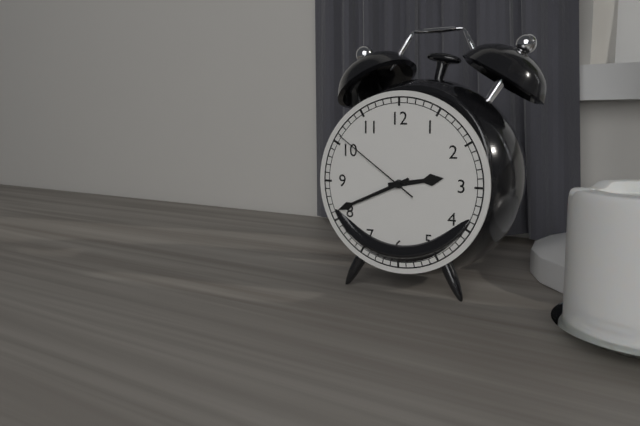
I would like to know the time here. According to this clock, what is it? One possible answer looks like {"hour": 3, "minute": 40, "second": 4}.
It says {"hour": 2, "minute": 41, "second": 51}
